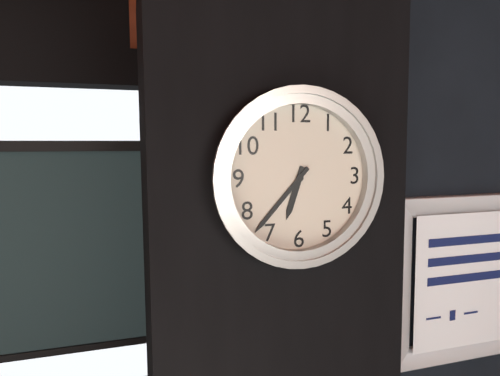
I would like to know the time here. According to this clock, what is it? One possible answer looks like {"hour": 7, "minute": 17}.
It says {"hour": 6, "minute": 37}
